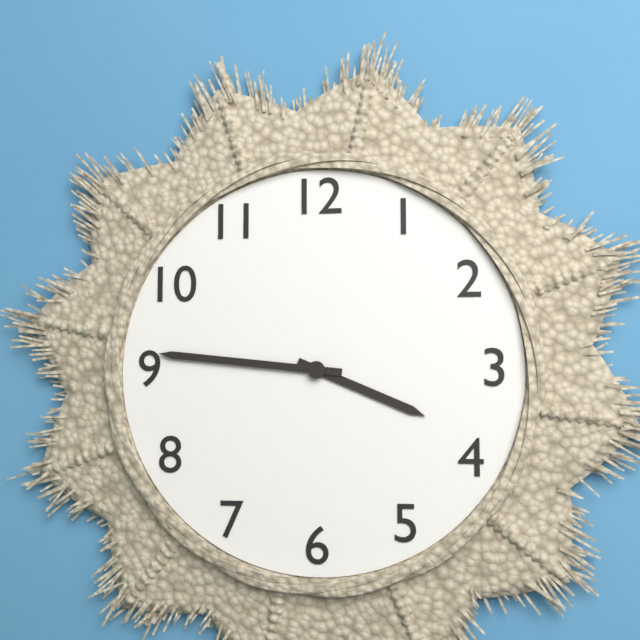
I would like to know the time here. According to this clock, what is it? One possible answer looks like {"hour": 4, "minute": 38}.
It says {"hour": 3, "minute": 46}
